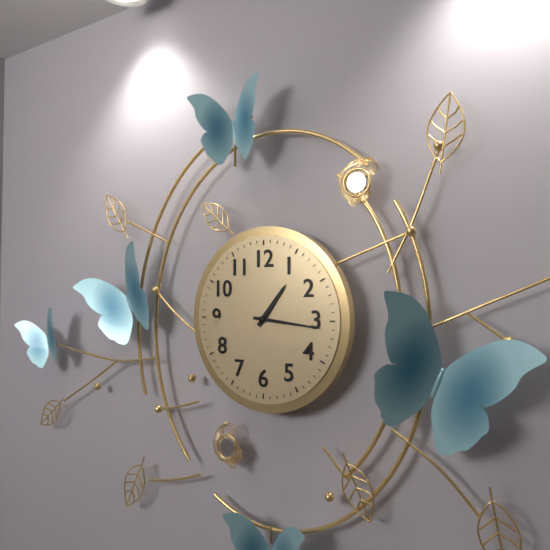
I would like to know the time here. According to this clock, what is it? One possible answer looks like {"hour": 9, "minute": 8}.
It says {"hour": 1, "minute": 16}
